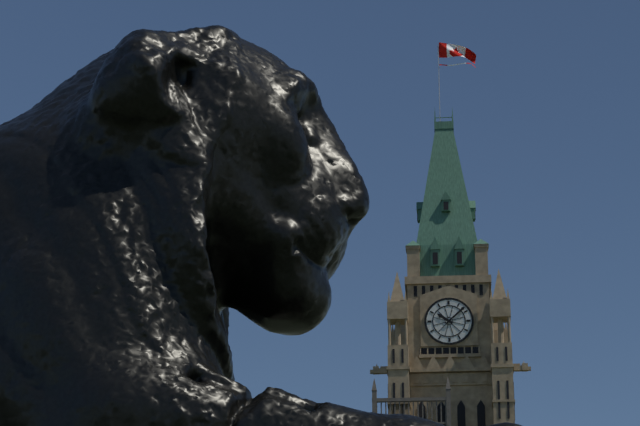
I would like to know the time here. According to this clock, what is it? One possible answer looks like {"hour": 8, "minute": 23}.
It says {"hour": 10, "minute": 8}
